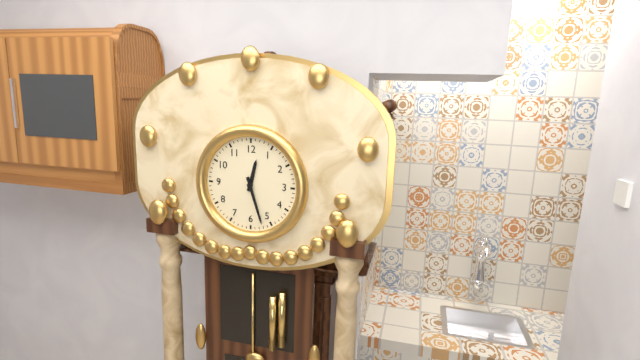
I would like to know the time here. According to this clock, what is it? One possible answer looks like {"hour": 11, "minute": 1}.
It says {"hour": 12, "minute": 27}
